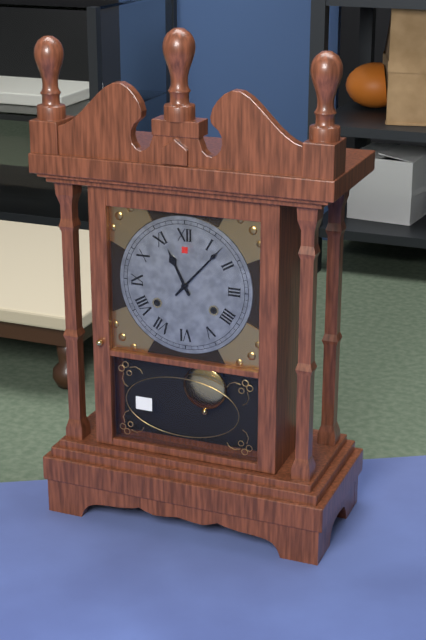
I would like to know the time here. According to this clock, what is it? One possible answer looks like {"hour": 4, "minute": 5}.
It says {"hour": 11, "minute": 7}
